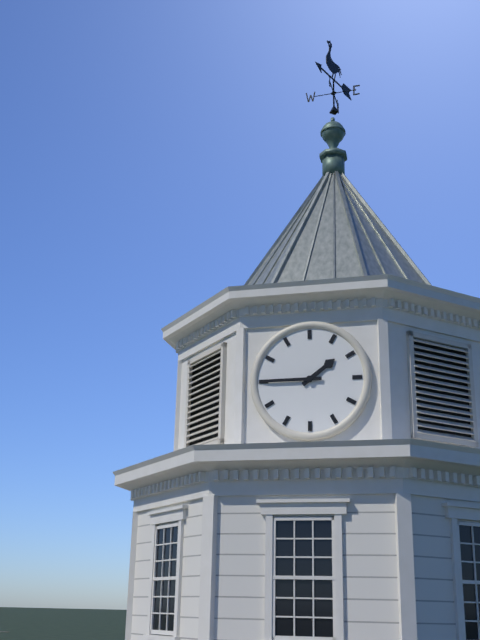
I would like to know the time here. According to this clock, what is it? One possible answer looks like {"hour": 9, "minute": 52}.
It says {"hour": 1, "minute": 45}
